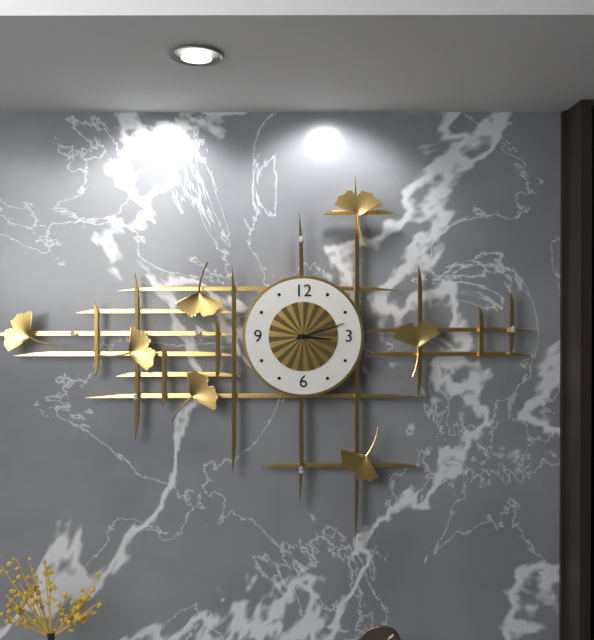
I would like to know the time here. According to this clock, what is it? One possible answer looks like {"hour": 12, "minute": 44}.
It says {"hour": 3, "minute": 12}
